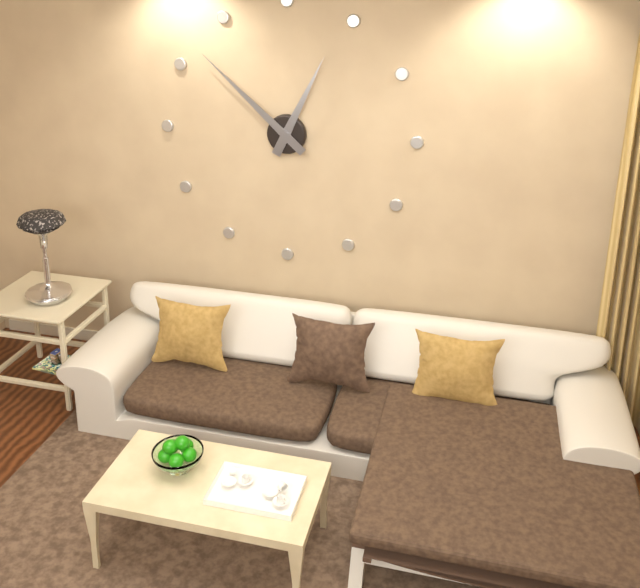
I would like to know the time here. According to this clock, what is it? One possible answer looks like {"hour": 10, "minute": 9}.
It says {"hour": 12, "minute": 52}
